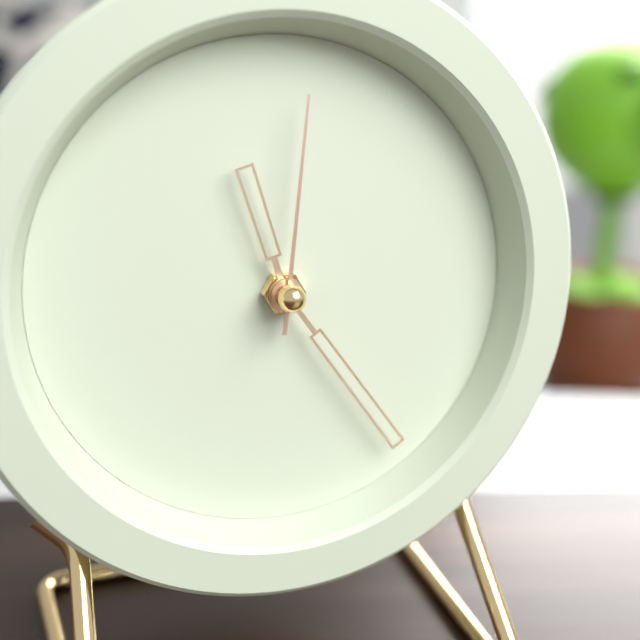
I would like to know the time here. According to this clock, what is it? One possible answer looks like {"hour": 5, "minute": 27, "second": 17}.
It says {"hour": 11, "minute": 24, "second": 1}
